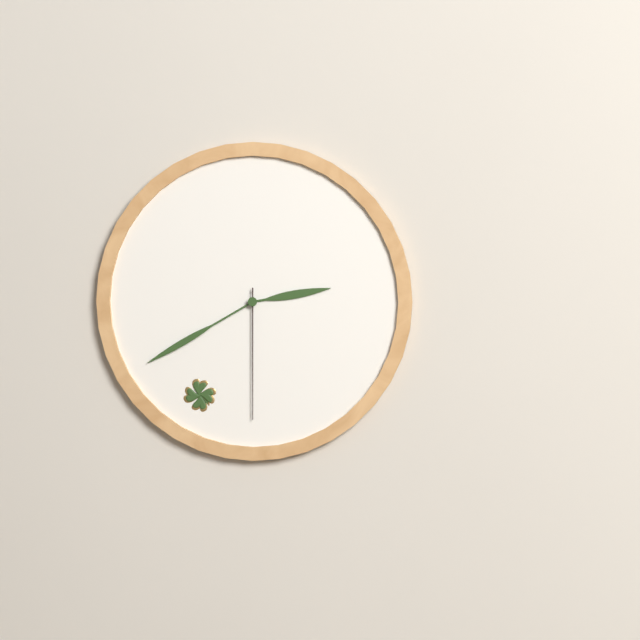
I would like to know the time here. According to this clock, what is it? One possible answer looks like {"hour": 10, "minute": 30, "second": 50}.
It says {"hour": 2, "minute": 40, "second": 30}
